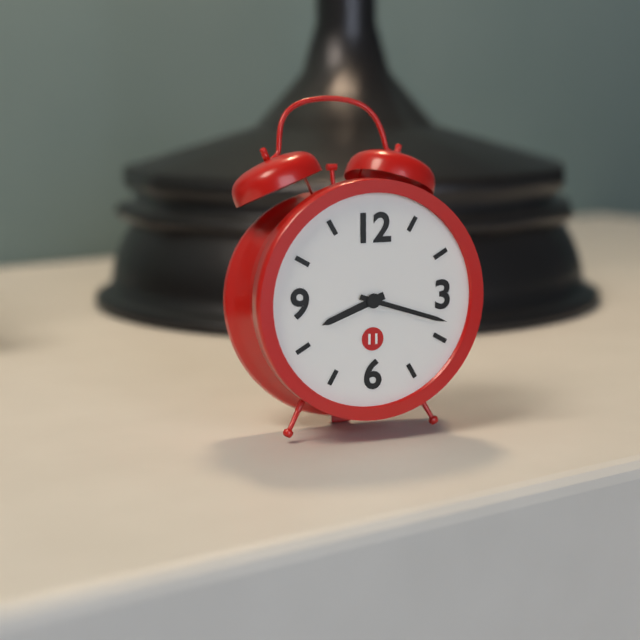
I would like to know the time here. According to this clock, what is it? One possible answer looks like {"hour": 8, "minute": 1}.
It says {"hour": 8, "minute": 18}
